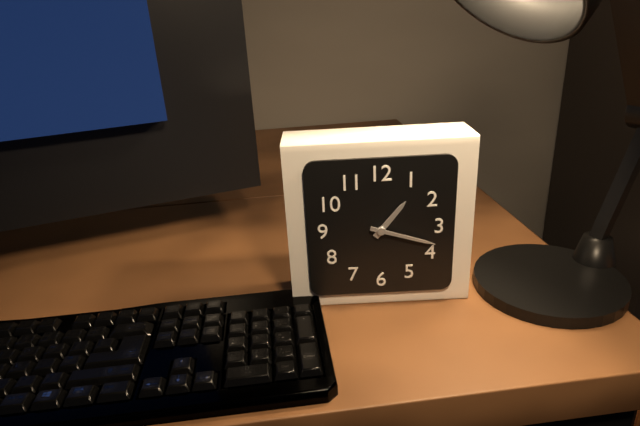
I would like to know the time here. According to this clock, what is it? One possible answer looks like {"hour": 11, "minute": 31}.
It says {"hour": 1, "minute": 18}
